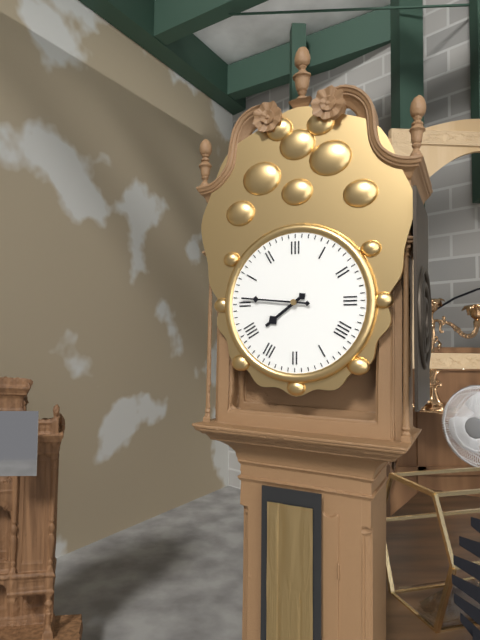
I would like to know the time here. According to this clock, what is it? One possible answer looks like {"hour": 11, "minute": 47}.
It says {"hour": 7, "minute": 46}
